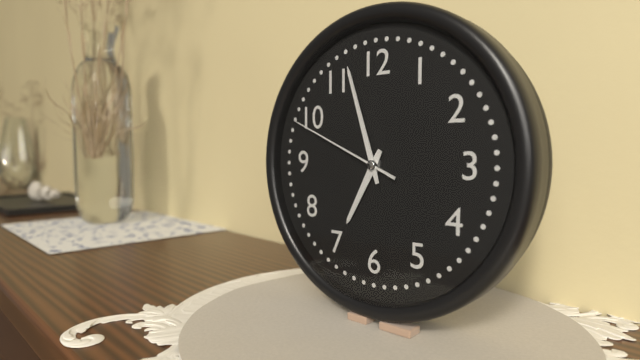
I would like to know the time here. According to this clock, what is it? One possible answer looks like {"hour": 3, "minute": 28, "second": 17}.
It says {"hour": 6, "minute": 57, "second": 49}
